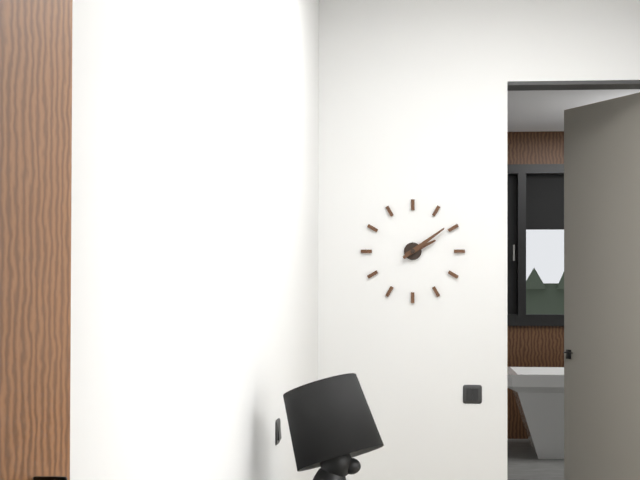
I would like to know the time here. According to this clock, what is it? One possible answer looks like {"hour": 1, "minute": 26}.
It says {"hour": 2, "minute": 9}
